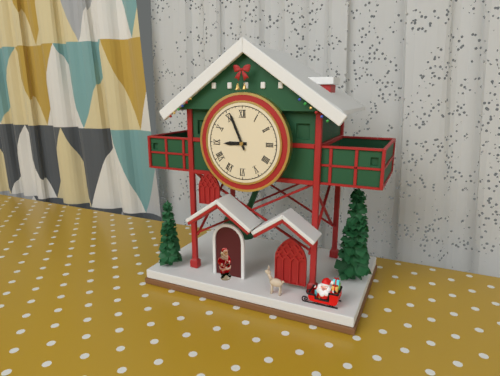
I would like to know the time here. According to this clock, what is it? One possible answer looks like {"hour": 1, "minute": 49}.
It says {"hour": 8, "minute": 56}
